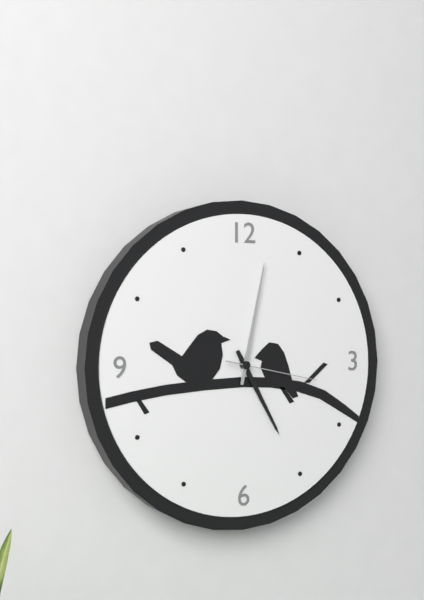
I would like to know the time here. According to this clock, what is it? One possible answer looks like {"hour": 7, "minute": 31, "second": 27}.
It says {"hour": 5, "minute": 2, "second": 17}
